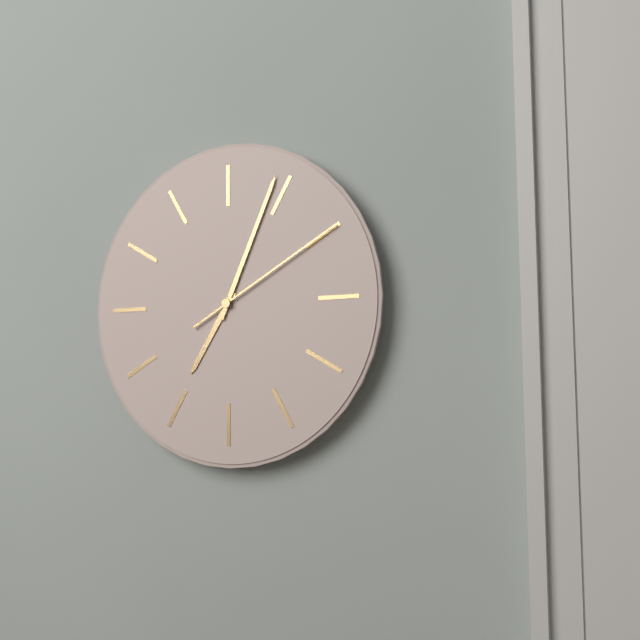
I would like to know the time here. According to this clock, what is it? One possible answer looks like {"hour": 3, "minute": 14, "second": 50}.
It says {"hour": 7, "minute": 4, "second": 10}
